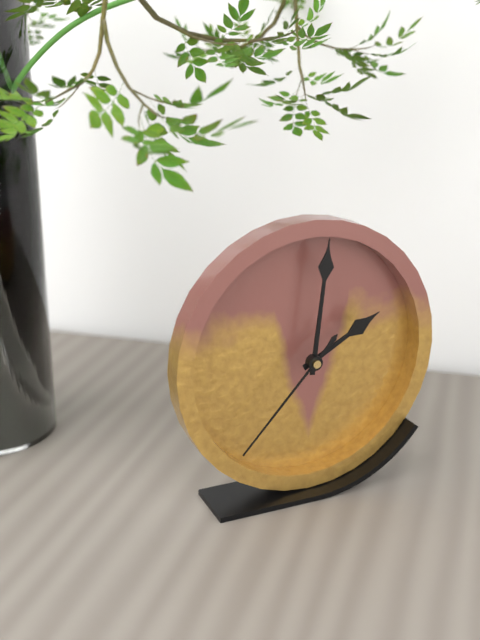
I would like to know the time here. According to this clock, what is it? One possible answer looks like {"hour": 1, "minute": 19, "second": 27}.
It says {"hour": 2, "minute": 1, "second": 37}
